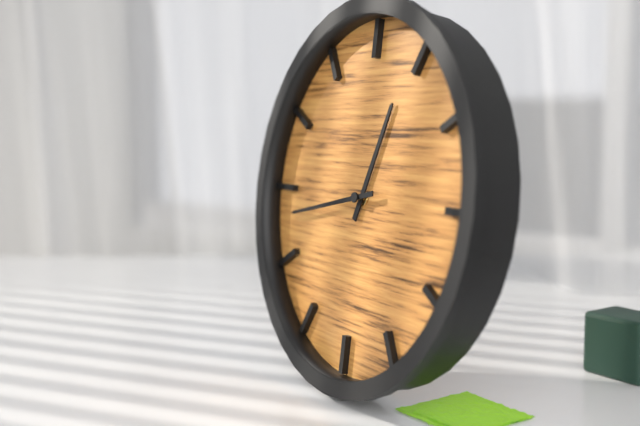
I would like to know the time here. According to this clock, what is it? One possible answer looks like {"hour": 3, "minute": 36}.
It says {"hour": 12, "minute": 43}
